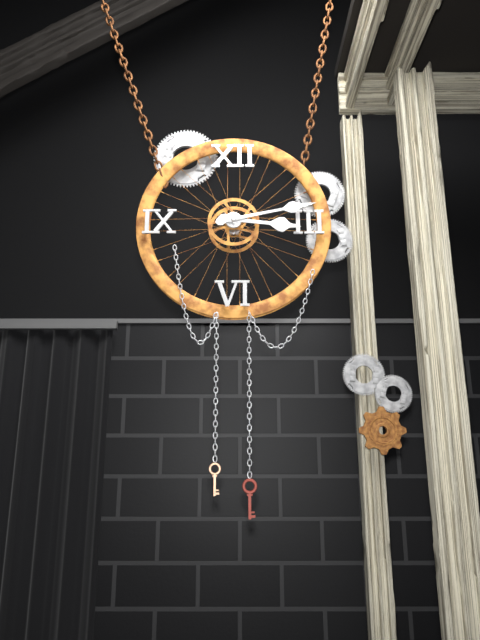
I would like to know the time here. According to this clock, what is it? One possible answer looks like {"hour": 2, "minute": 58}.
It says {"hour": 3, "minute": 13}
